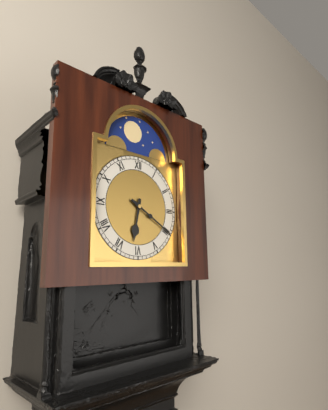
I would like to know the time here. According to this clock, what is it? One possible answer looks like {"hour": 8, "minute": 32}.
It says {"hour": 6, "minute": 20}
